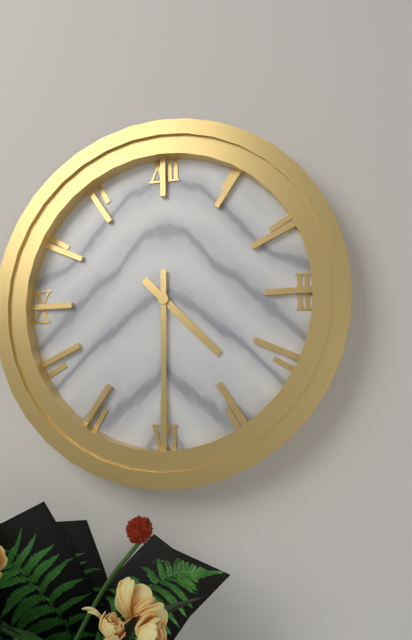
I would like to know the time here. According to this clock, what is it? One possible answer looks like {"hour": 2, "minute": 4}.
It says {"hour": 4, "minute": 30}
